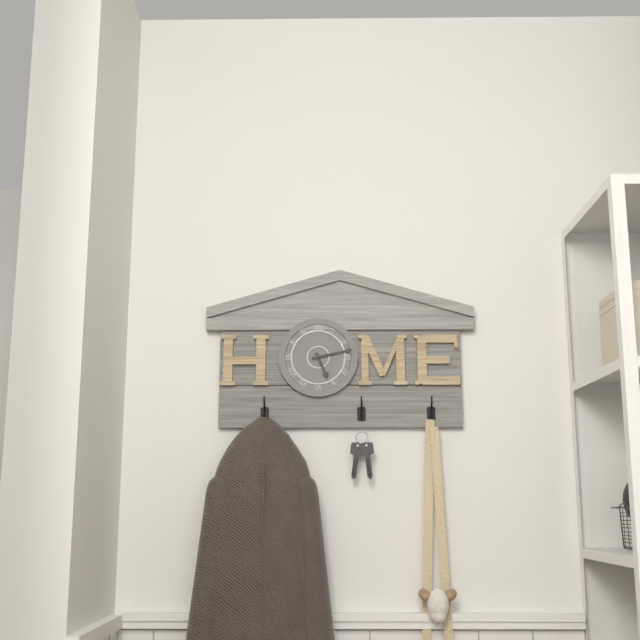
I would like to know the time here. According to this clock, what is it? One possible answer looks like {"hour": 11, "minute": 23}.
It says {"hour": 5, "minute": 13}
